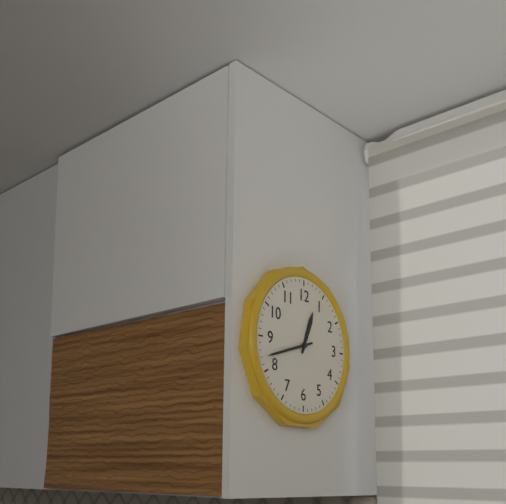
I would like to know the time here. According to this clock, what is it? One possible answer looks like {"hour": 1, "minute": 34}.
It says {"hour": 12, "minute": 42}
